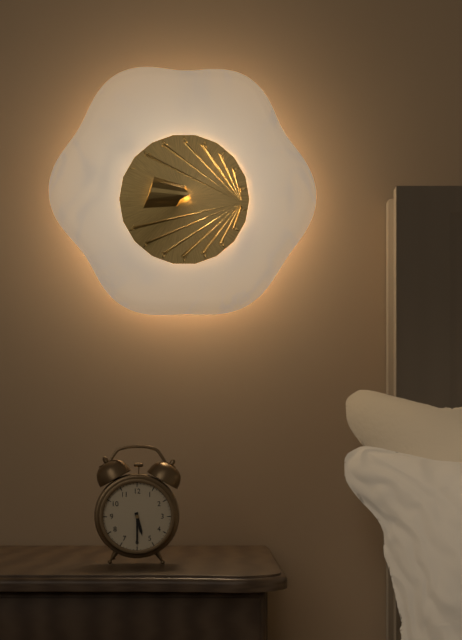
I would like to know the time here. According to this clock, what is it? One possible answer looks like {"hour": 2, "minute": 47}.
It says {"hour": 5, "minute": 30}
